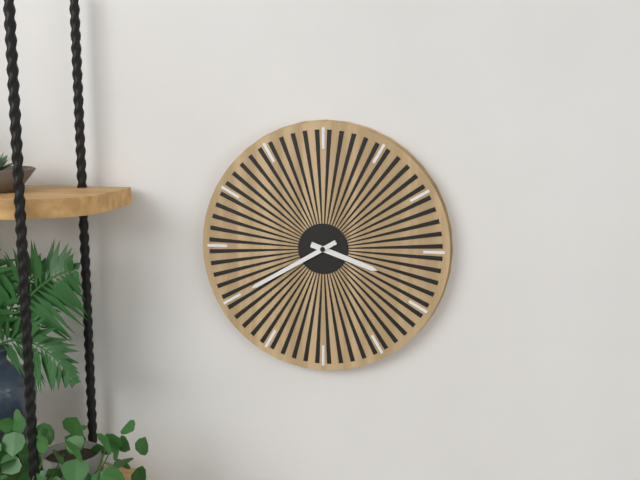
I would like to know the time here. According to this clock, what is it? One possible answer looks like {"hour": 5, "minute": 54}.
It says {"hour": 3, "minute": 40}
